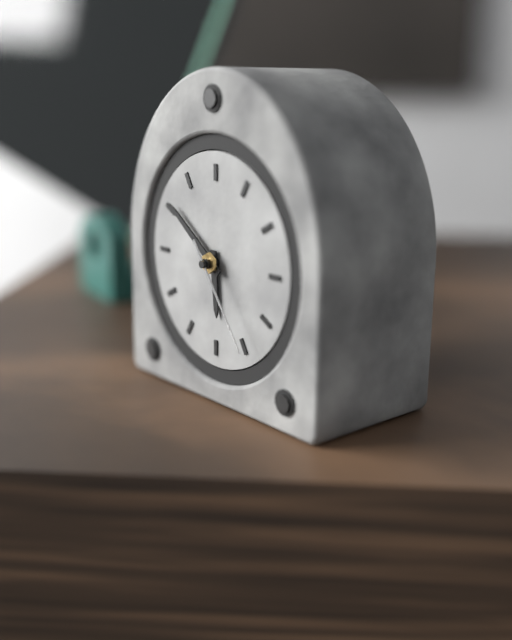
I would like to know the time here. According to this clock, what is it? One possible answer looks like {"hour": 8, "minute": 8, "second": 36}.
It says {"hour": 5, "minute": 51, "second": 24}
